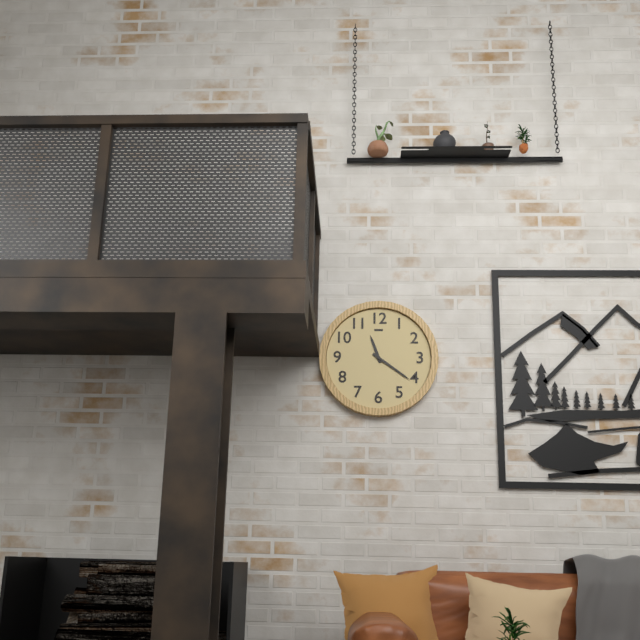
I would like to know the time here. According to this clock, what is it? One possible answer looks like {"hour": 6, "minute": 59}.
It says {"hour": 11, "minute": 21}
